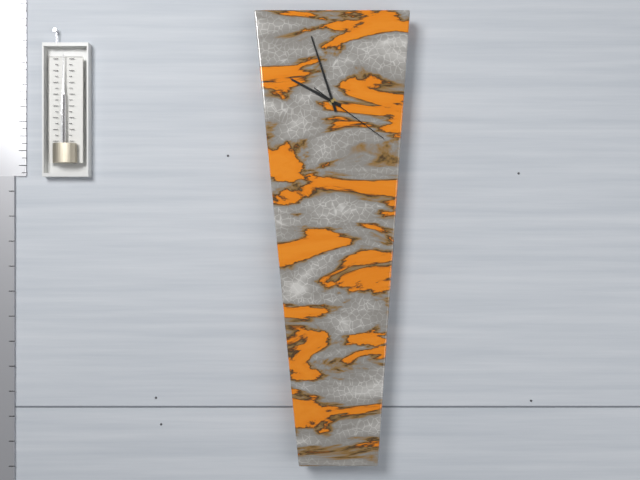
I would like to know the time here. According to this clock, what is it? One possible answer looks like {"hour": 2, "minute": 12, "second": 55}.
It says {"hour": 9, "minute": 57, "second": 21}
